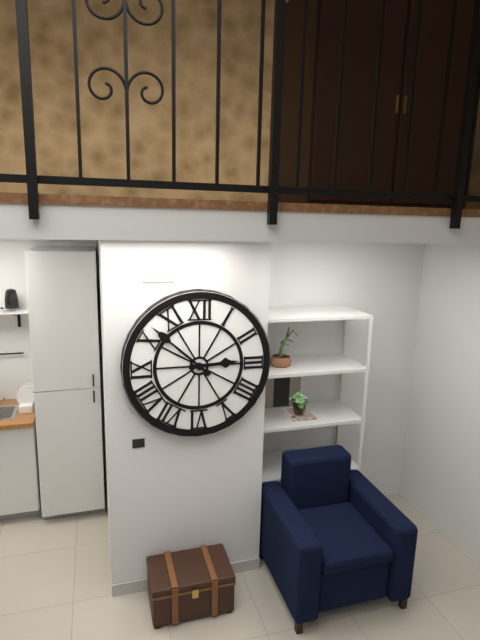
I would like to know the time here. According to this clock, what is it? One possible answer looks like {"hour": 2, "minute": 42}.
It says {"hour": 2, "minute": 52}
